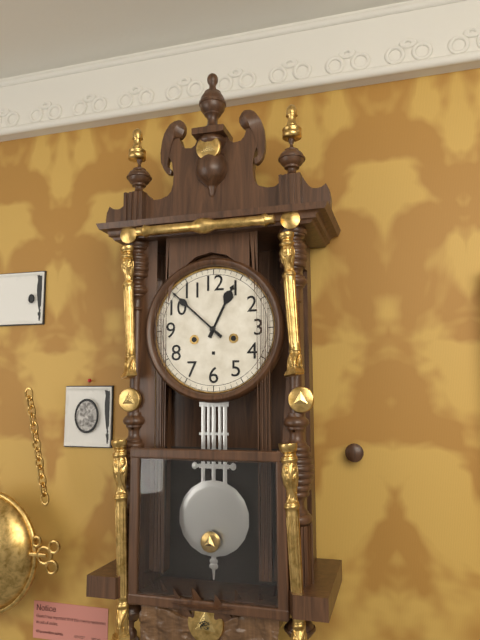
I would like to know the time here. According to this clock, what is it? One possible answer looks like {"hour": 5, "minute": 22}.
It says {"hour": 12, "minute": 52}
